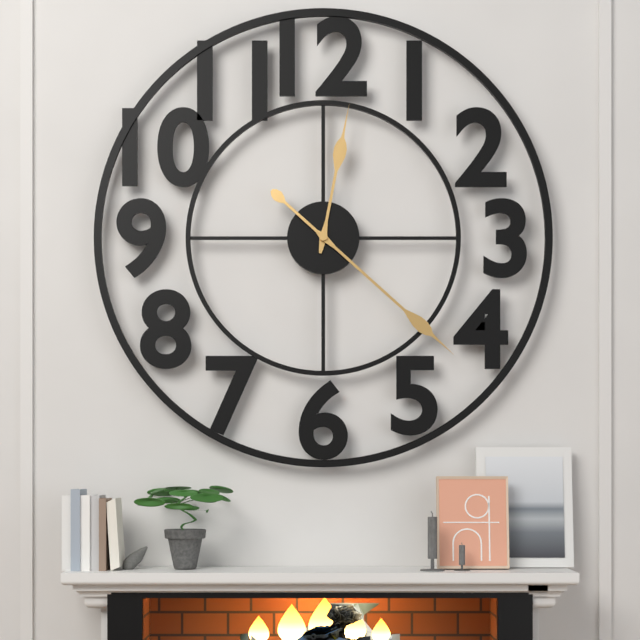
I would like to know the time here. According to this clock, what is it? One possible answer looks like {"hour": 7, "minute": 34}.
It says {"hour": 12, "minute": 22}
